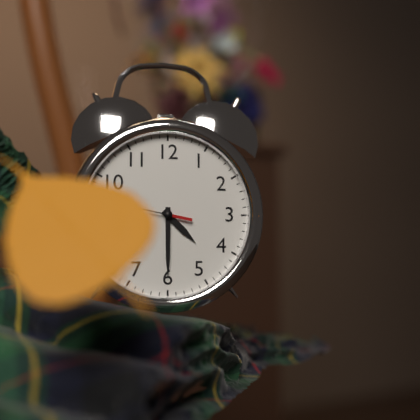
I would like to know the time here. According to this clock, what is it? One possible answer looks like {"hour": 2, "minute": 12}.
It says {"hour": 4, "minute": 30}
